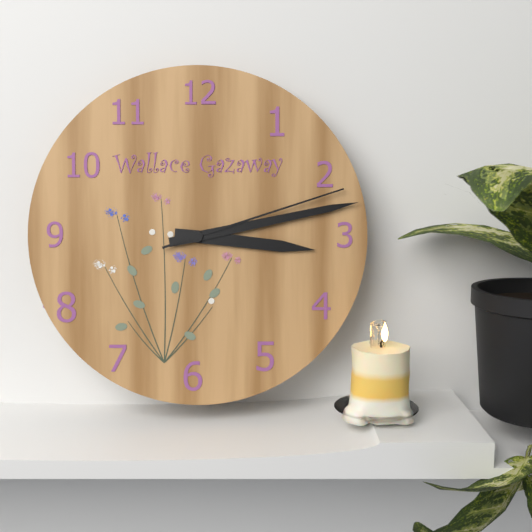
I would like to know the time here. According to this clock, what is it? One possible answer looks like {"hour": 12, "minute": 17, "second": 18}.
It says {"hour": 3, "minute": 13, "second": 12}
